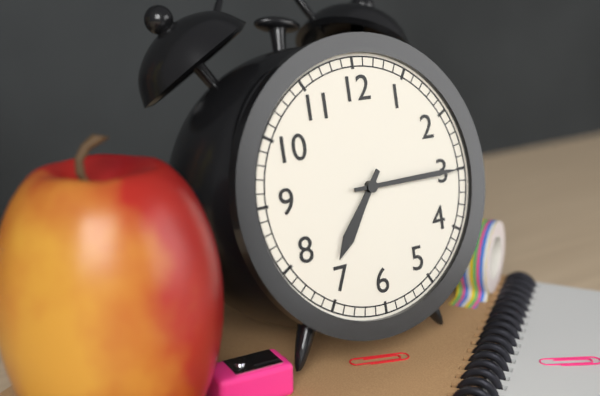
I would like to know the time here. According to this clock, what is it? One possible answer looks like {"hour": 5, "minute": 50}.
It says {"hour": 7, "minute": 15}
